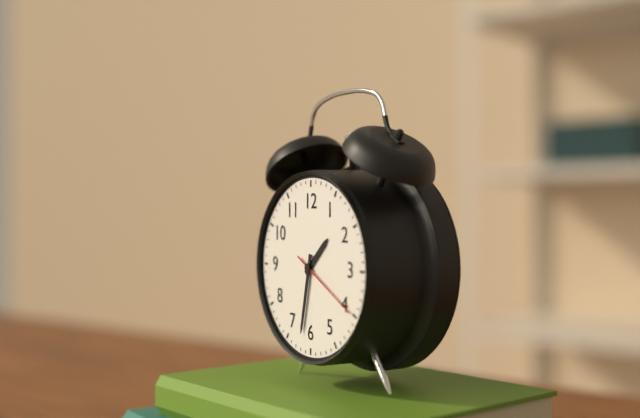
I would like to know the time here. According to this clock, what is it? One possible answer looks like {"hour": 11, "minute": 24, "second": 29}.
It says {"hour": 1, "minute": 32, "second": 20}
